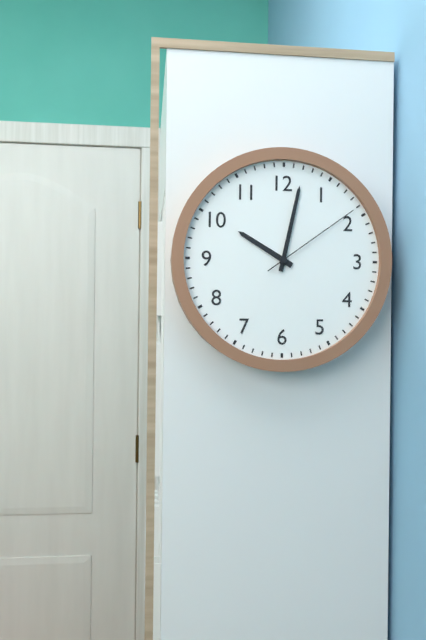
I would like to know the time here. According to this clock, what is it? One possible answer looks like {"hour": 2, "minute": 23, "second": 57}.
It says {"hour": 10, "minute": 2, "second": 9}
